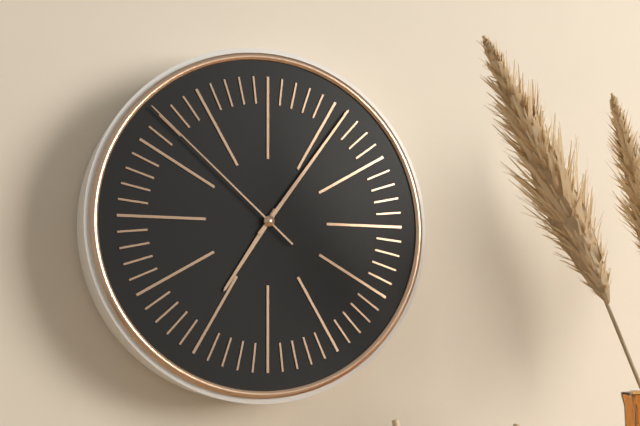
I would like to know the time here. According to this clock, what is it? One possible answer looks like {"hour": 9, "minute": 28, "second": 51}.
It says {"hour": 7, "minute": 6, "second": 52}
